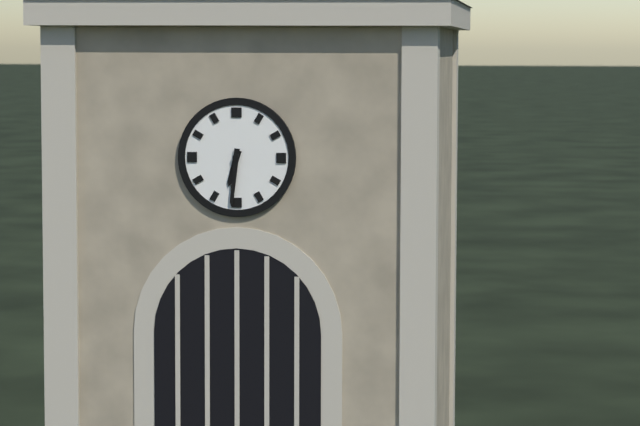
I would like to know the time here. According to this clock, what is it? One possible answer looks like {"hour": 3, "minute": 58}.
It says {"hour": 6, "minute": 31}
